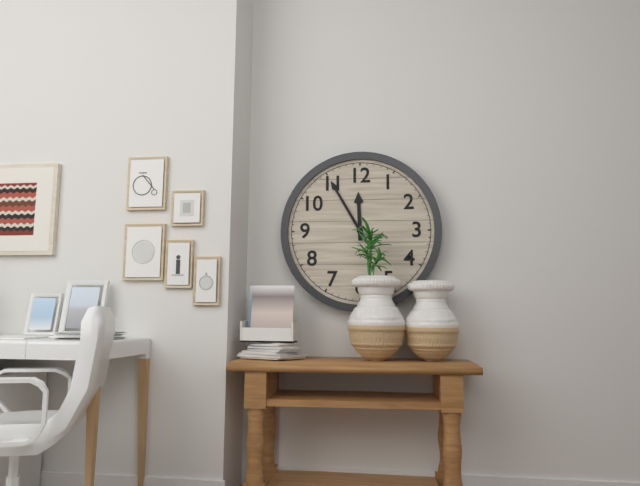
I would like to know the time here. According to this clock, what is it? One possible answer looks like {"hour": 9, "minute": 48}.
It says {"hour": 11, "minute": 55}
